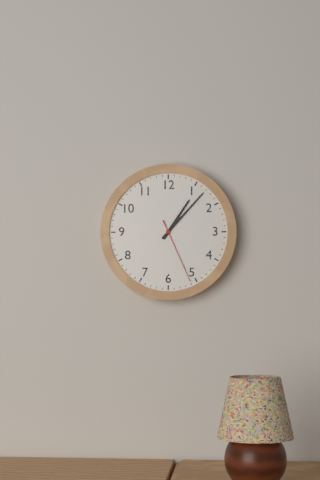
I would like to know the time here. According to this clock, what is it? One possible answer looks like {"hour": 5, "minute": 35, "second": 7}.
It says {"hour": 1, "minute": 7, "second": 26}
